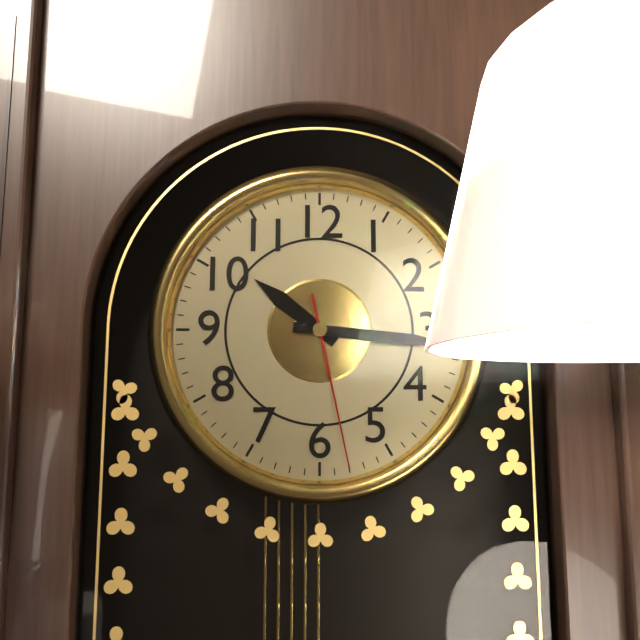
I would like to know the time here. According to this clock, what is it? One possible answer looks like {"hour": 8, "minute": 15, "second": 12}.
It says {"hour": 10, "minute": 16, "second": 28}
